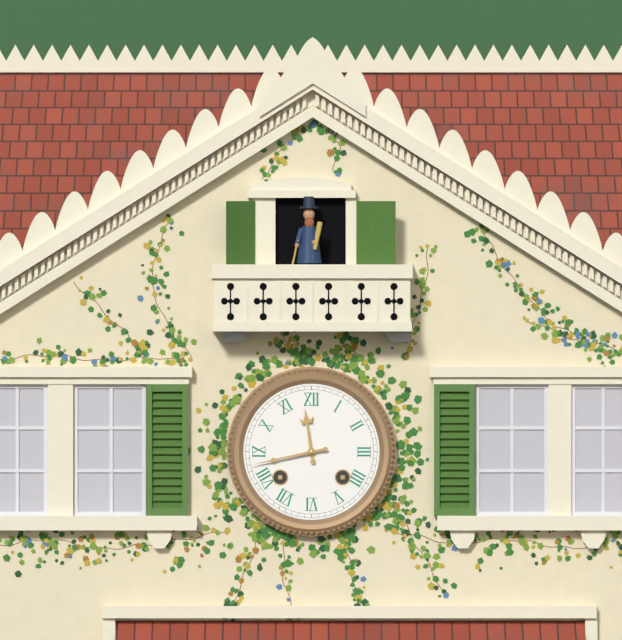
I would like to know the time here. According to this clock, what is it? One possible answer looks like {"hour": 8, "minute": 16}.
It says {"hour": 11, "minute": 43}
